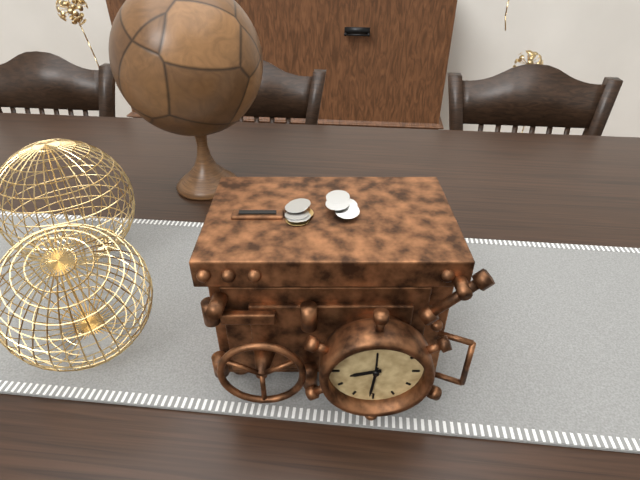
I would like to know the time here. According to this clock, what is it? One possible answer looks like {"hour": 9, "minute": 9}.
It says {"hour": 8, "minute": 31}
